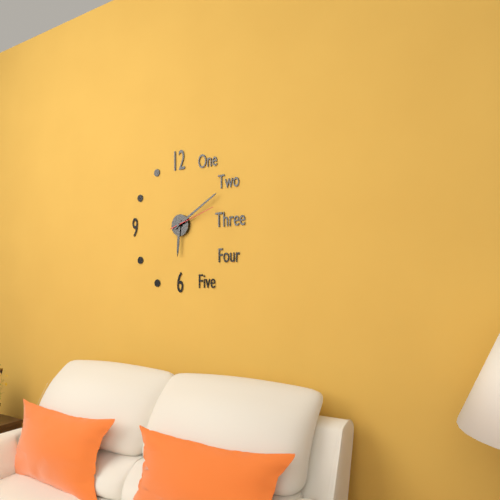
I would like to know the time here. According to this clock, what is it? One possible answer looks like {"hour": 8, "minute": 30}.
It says {"hour": 6, "minute": 10}
